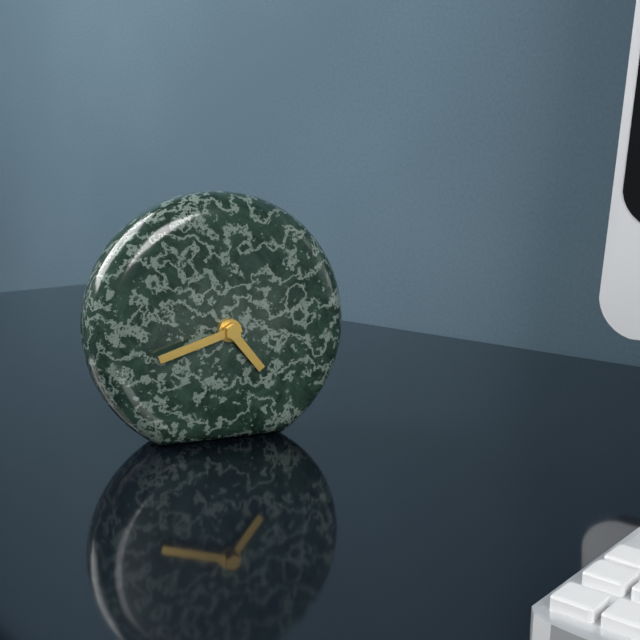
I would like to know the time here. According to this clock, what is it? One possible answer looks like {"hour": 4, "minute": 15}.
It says {"hour": 4, "minute": 42}
